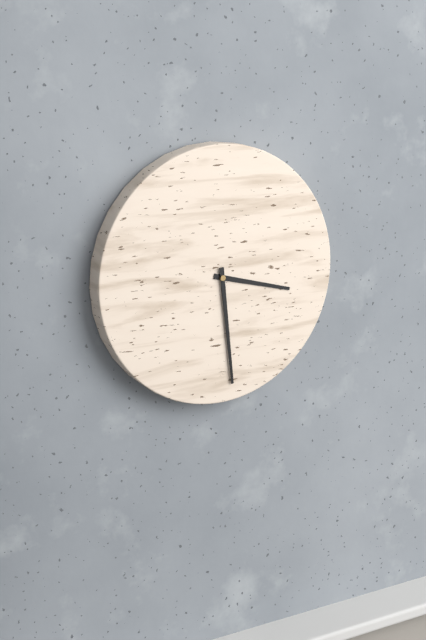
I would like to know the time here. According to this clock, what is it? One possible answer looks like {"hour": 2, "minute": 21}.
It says {"hour": 3, "minute": 29}
